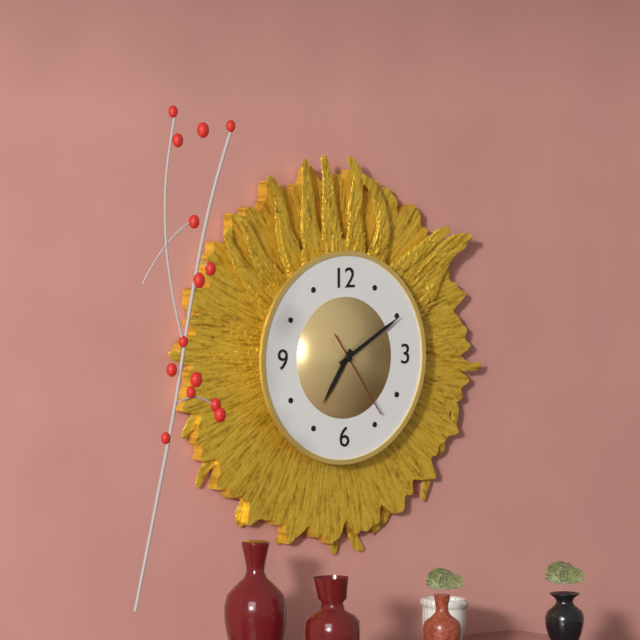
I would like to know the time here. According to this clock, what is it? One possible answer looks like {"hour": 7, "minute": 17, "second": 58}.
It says {"hour": 7, "minute": 10, "second": 24}
